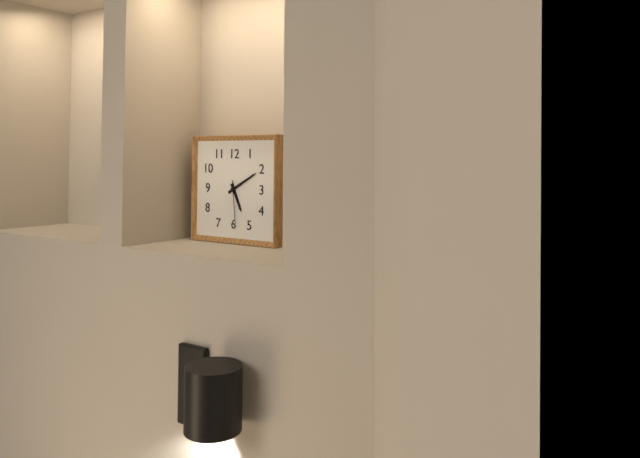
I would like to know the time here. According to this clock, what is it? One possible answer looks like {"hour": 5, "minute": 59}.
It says {"hour": 5, "minute": 10}
